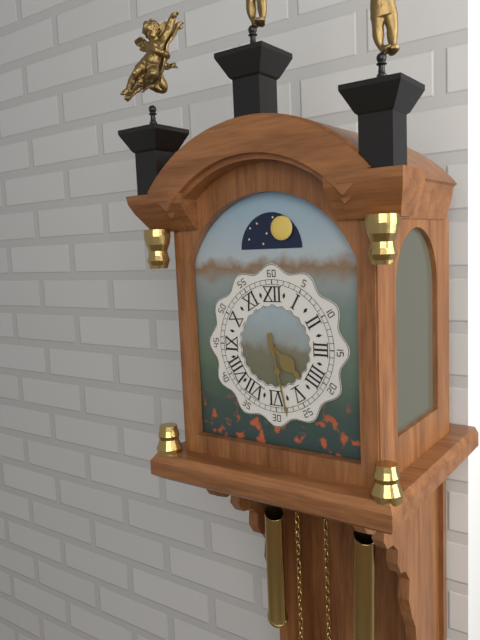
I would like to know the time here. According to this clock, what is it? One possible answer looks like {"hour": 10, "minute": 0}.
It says {"hour": 4, "minute": 28}
